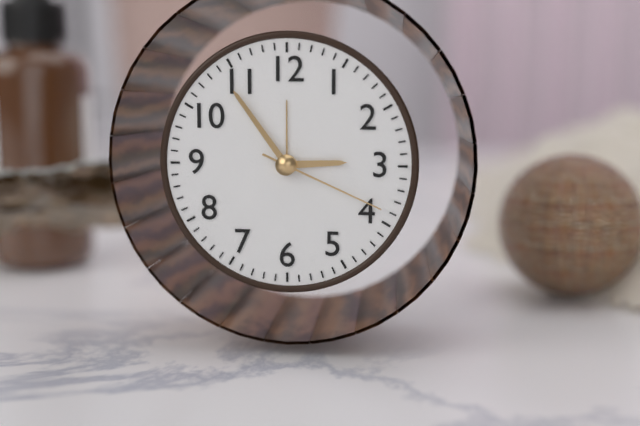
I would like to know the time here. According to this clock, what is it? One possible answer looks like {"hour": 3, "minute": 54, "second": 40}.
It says {"hour": 2, "minute": 54, "second": 19}
